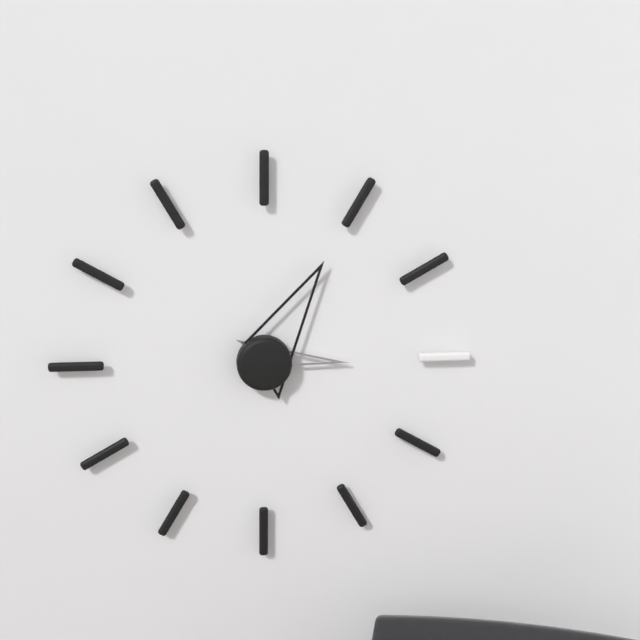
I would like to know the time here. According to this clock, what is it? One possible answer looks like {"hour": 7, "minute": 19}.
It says {"hour": 3, "minute": 5}
